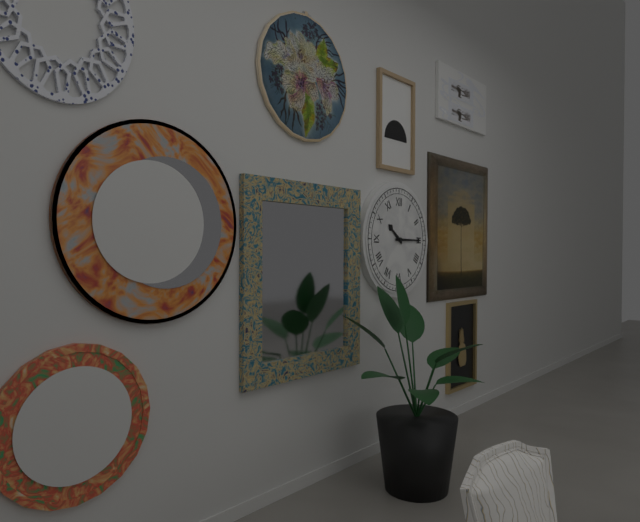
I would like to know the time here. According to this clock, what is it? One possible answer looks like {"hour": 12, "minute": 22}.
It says {"hour": 10, "minute": 15}
